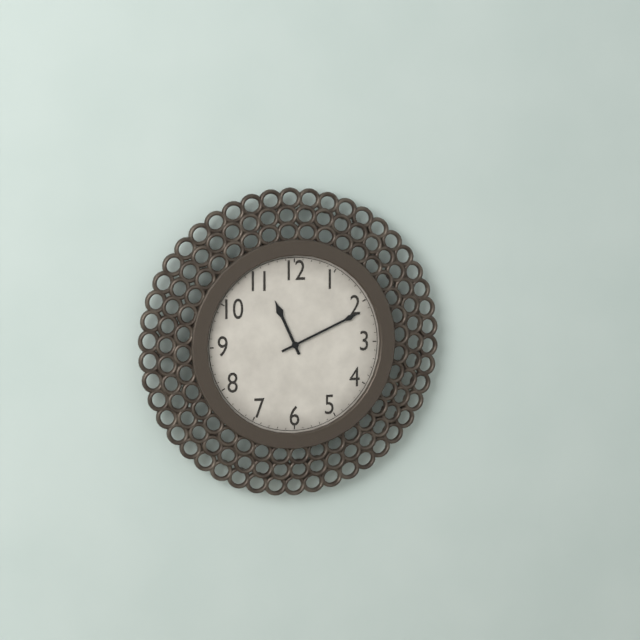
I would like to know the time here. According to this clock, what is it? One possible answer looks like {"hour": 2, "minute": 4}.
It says {"hour": 11, "minute": 11}
